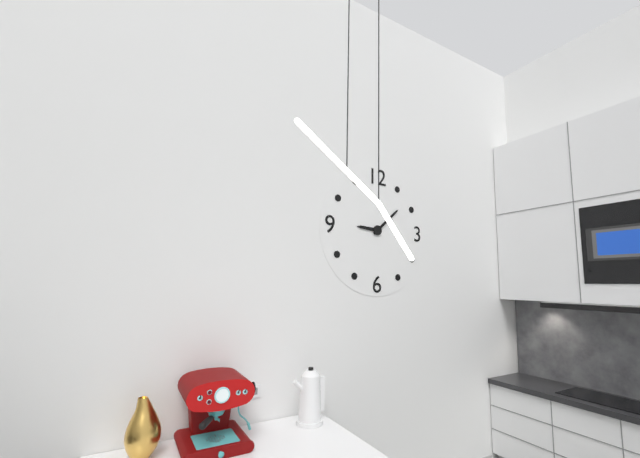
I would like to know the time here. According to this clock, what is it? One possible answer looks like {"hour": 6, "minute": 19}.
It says {"hour": 9, "minute": 8}
